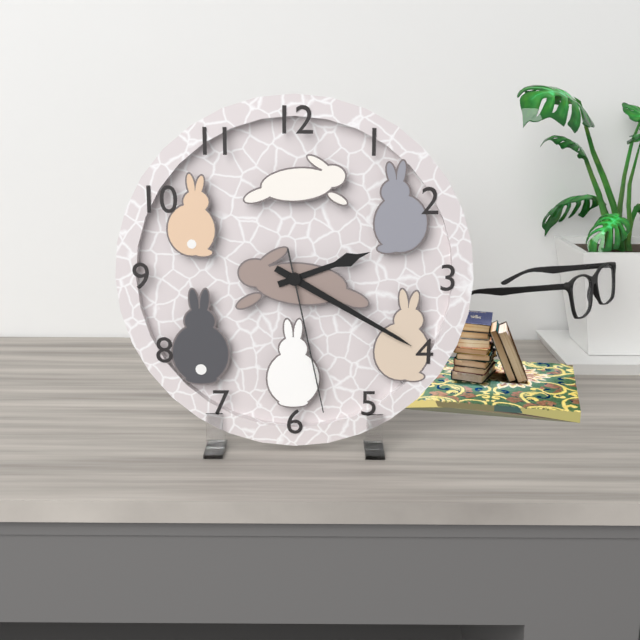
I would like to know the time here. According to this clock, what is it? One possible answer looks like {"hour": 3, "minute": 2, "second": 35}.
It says {"hour": 2, "minute": 20, "second": 28}
